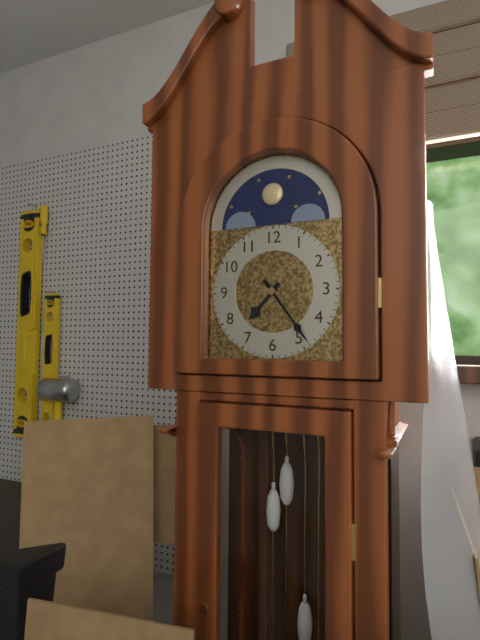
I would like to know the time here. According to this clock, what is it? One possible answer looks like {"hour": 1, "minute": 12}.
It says {"hour": 7, "minute": 24}
